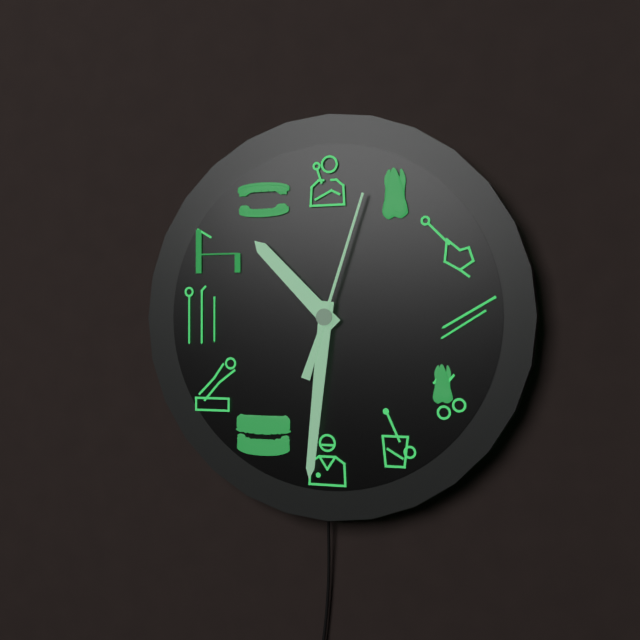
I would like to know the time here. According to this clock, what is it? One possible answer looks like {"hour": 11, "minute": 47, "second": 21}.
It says {"hour": 10, "minute": 31, "second": 3}
